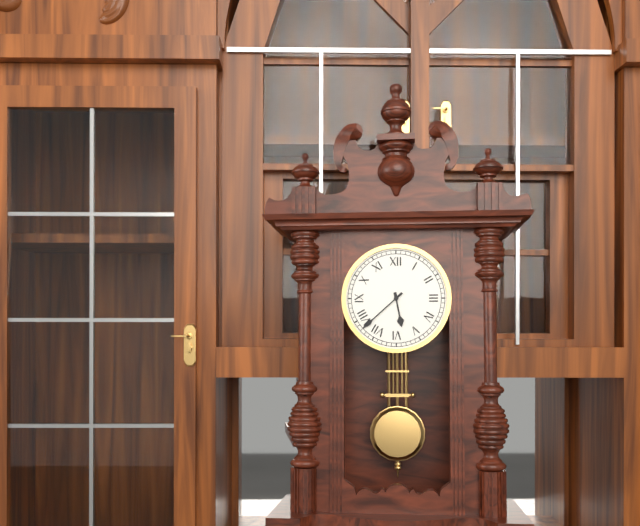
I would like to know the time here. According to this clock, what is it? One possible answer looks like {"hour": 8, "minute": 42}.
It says {"hour": 5, "minute": 38}
